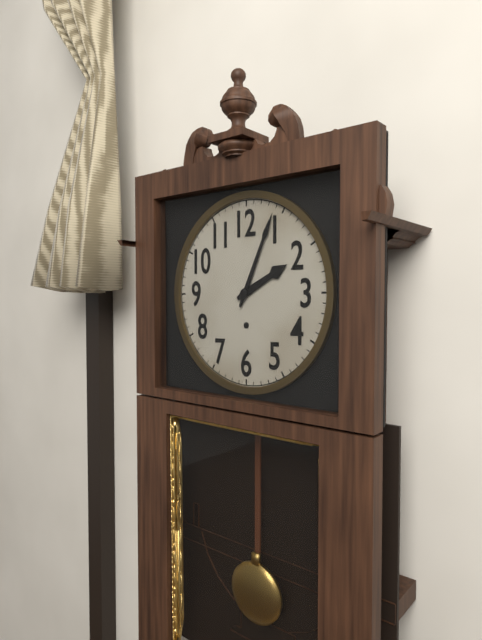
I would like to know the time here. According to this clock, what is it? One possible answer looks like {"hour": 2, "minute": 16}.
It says {"hour": 2, "minute": 4}
